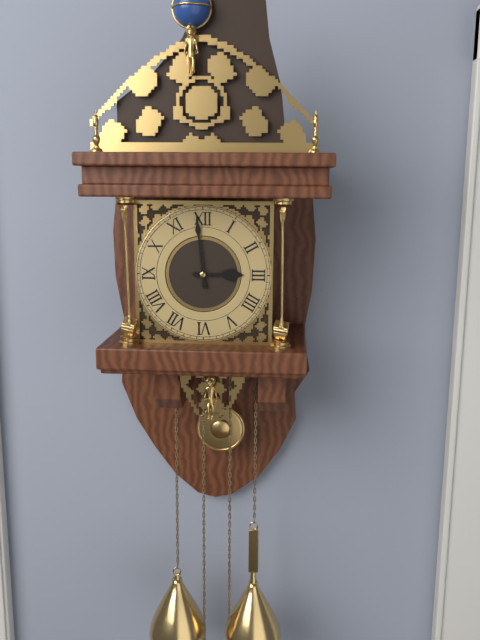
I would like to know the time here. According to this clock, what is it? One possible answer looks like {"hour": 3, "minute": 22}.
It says {"hour": 2, "minute": 59}
